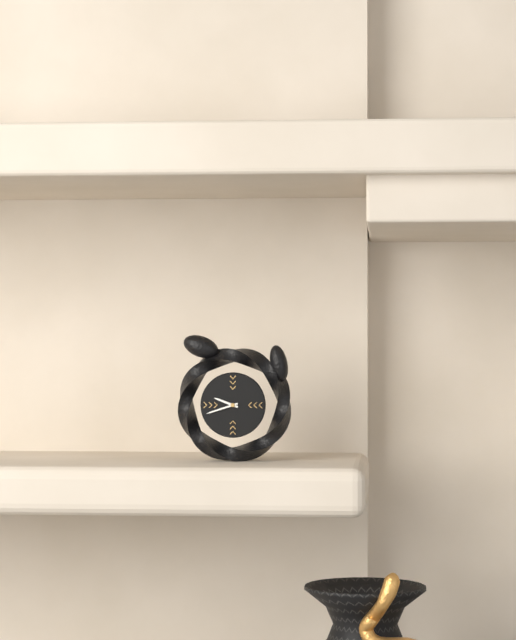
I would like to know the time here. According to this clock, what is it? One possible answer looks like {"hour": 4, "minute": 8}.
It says {"hour": 9, "minute": 42}
